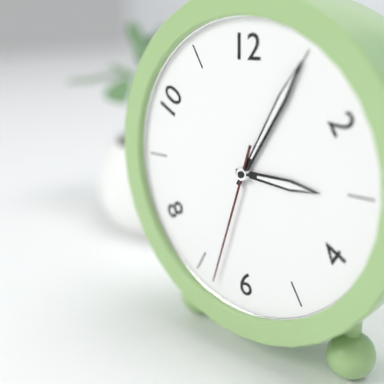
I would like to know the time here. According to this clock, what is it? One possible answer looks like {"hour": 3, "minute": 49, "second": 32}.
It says {"hour": 3, "minute": 5, "second": 33}
